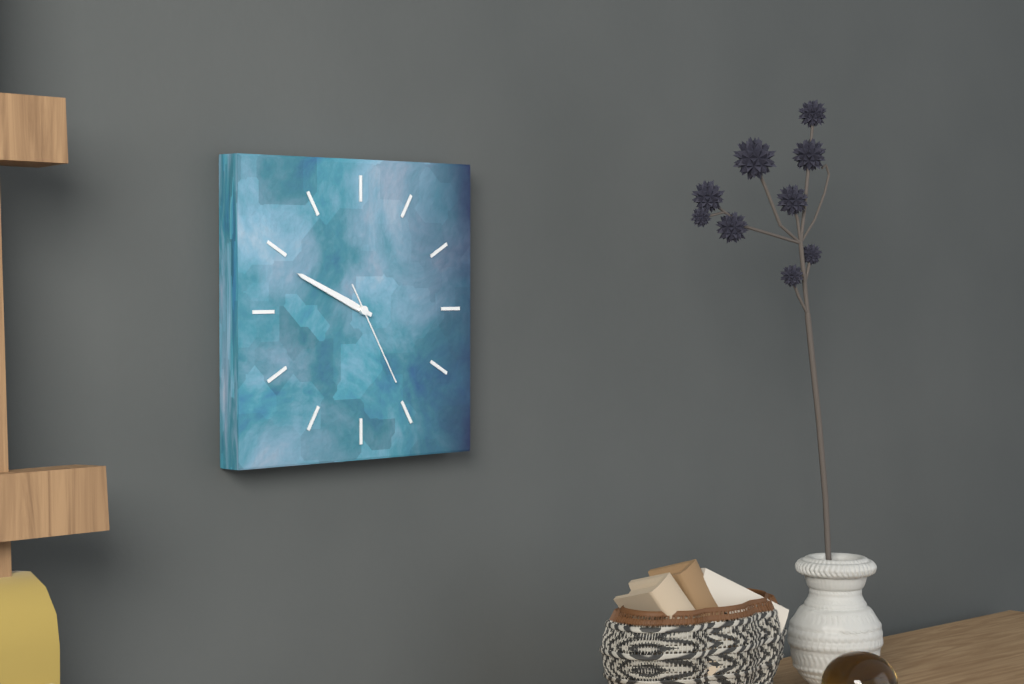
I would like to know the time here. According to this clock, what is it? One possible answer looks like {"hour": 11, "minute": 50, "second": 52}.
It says {"hour": 9, "minute": 49, "second": 25}
